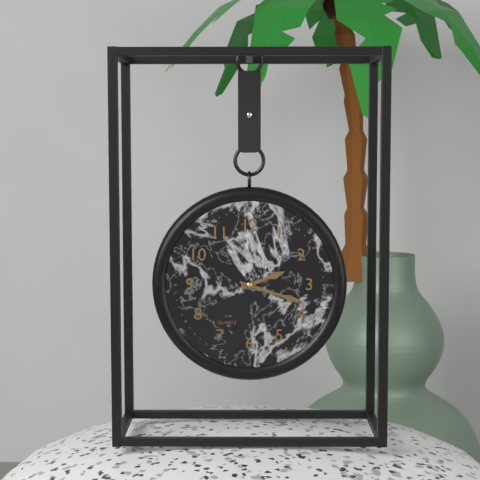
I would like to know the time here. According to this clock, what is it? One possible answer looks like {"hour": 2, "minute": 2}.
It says {"hour": 2, "minute": 18}
